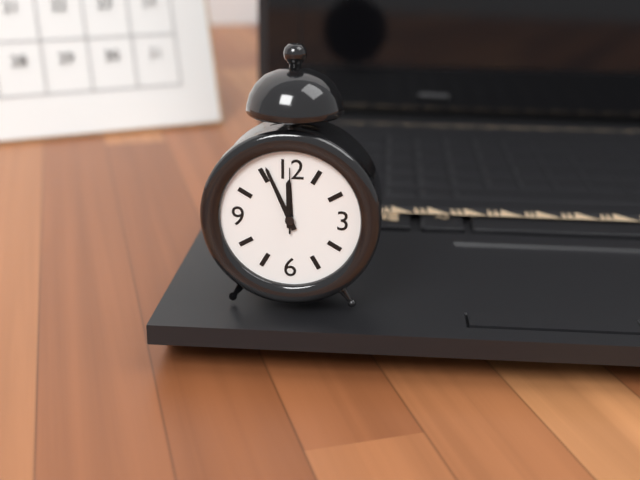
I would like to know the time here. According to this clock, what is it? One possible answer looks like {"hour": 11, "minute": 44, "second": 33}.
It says {"hour": 11, "minute": 56, "second": 0}
